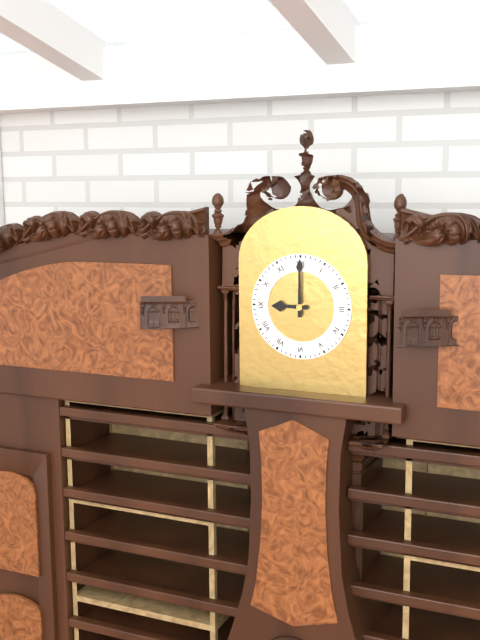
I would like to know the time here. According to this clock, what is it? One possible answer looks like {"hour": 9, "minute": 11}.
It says {"hour": 9, "minute": 0}
